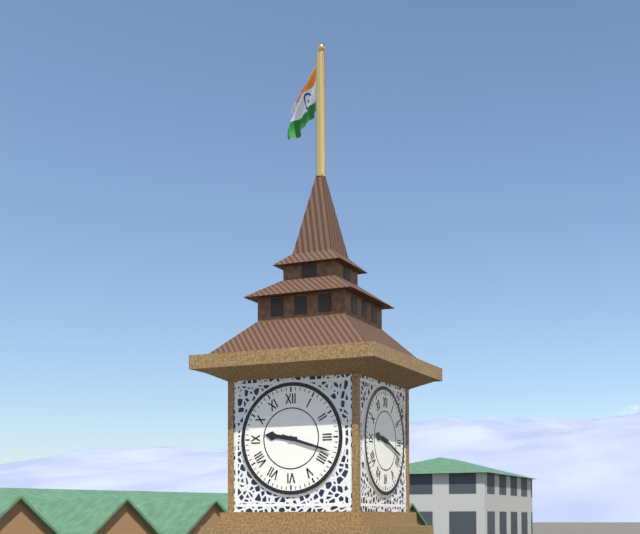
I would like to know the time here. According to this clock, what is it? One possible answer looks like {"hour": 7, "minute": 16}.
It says {"hour": 9, "minute": 18}
